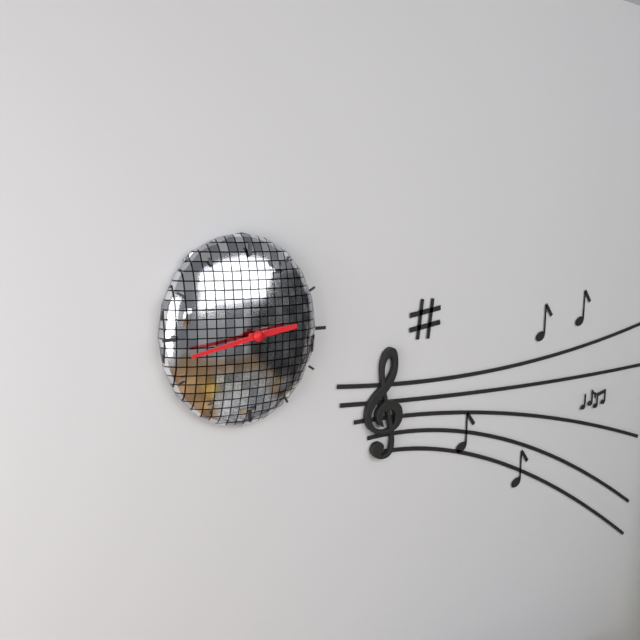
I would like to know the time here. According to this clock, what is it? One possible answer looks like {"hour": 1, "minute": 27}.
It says {"hour": 2, "minute": 43}
